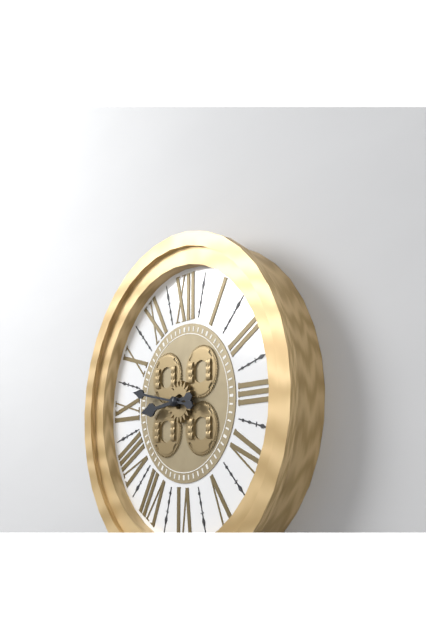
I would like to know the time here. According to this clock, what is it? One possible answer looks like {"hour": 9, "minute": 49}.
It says {"hour": 8, "minute": 47}
